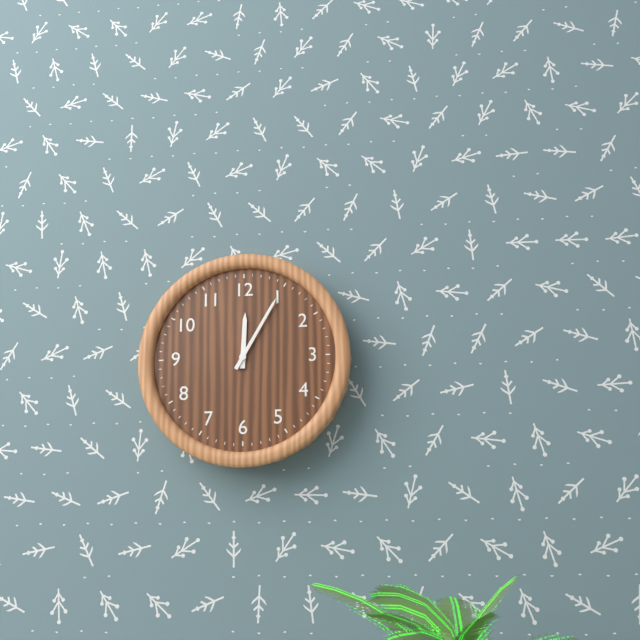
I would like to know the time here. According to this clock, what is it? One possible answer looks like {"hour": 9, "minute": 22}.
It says {"hour": 12, "minute": 5}
